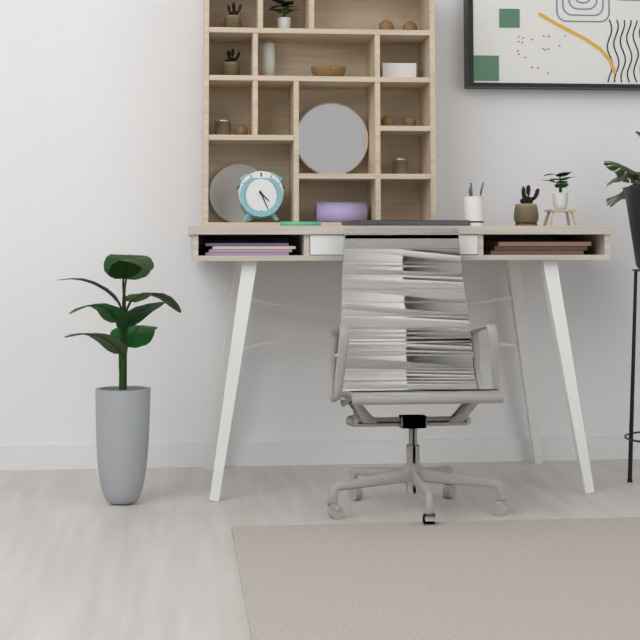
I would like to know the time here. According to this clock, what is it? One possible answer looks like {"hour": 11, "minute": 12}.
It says {"hour": 4, "minute": 26}
